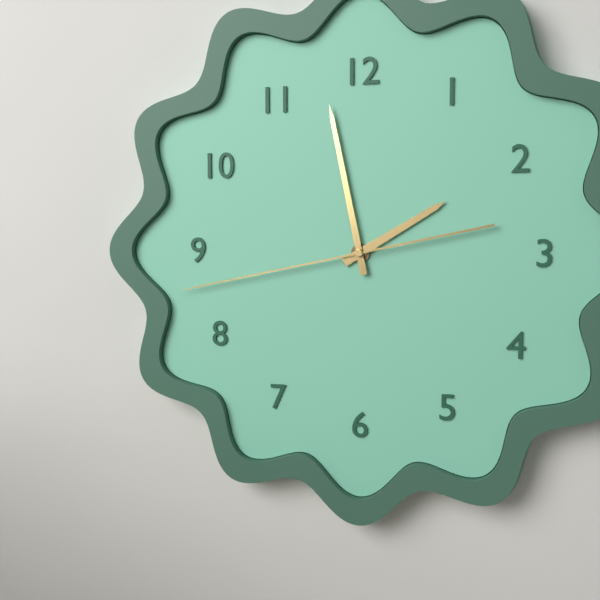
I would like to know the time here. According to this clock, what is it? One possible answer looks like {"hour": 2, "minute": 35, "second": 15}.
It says {"hour": 1, "minute": 58, "second": 43}
